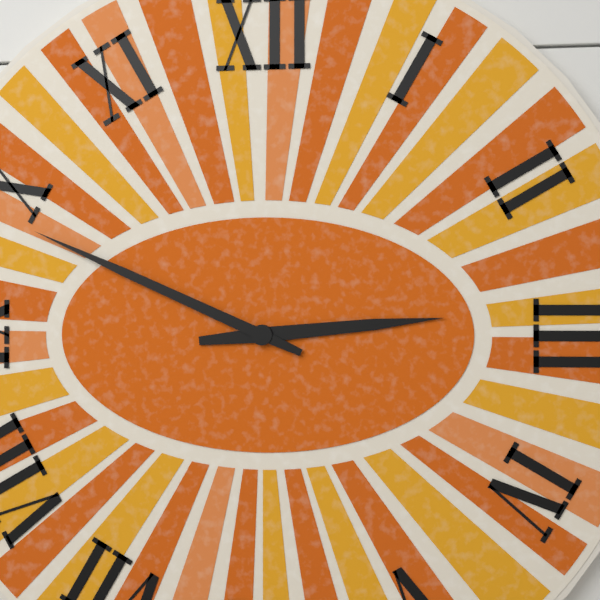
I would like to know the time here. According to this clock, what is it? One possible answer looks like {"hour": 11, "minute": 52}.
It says {"hour": 2, "minute": 49}
